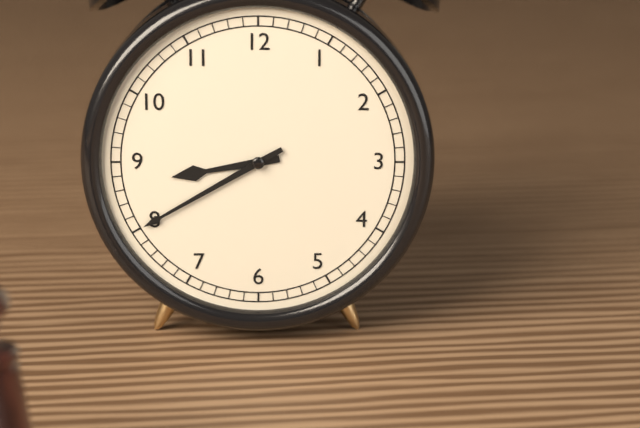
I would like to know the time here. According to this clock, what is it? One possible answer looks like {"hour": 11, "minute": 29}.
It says {"hour": 8, "minute": 40}
